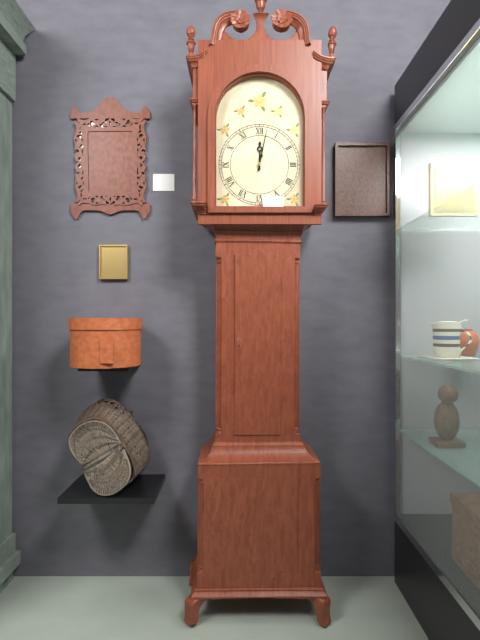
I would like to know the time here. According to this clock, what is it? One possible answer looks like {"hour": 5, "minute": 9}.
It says {"hour": 12, "minute": 2}
